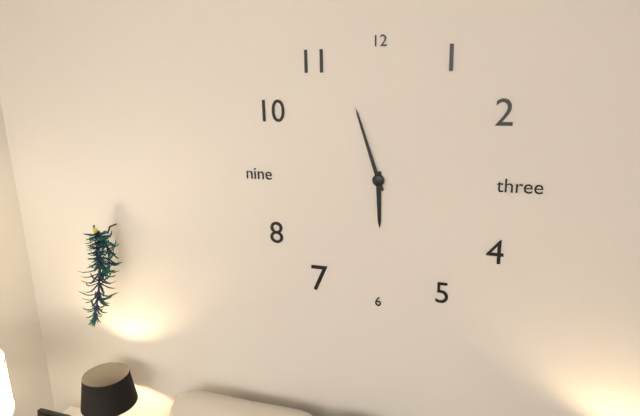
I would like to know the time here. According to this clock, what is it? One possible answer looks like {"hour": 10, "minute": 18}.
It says {"hour": 5, "minute": 57}
